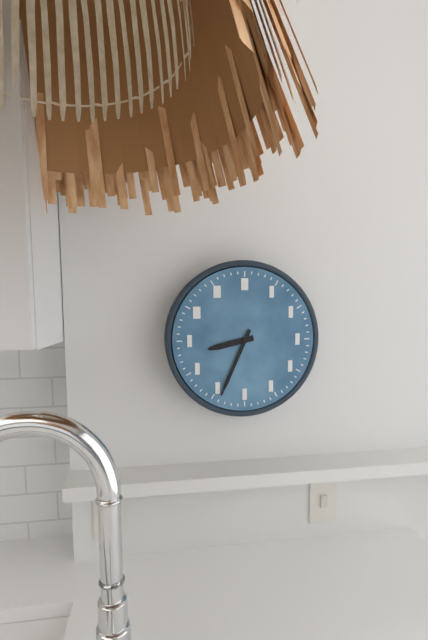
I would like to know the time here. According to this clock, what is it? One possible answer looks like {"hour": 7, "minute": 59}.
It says {"hour": 8, "minute": 34}
